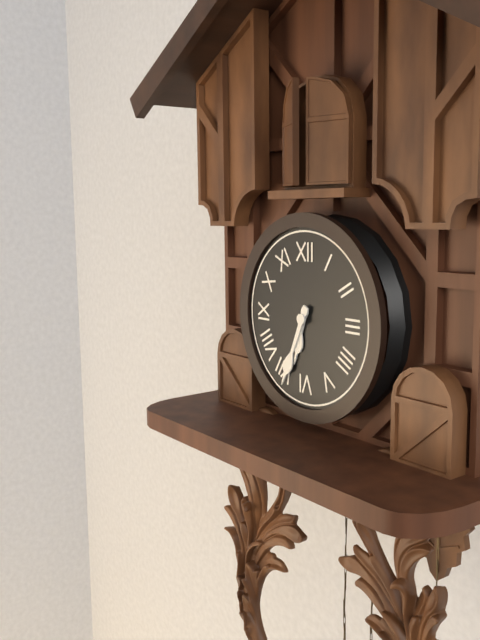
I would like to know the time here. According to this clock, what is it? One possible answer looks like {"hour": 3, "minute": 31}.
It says {"hour": 6, "minute": 34}
